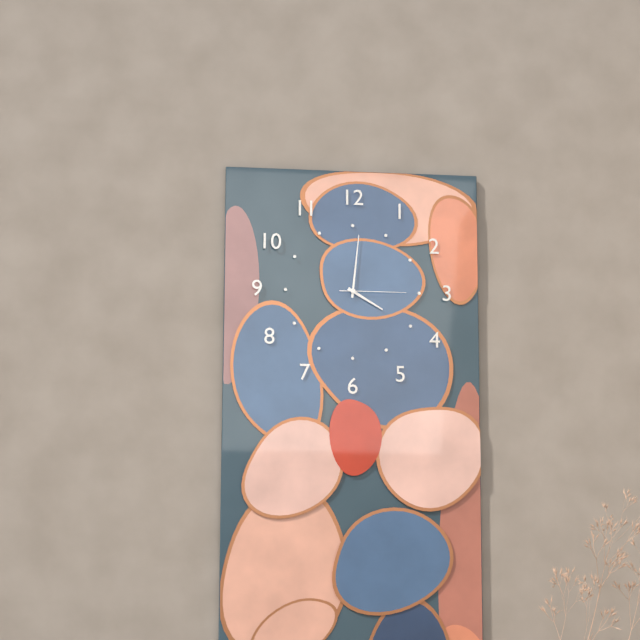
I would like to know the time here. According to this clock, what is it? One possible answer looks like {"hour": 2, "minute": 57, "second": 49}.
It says {"hour": 4, "minute": 1, "second": 15}
